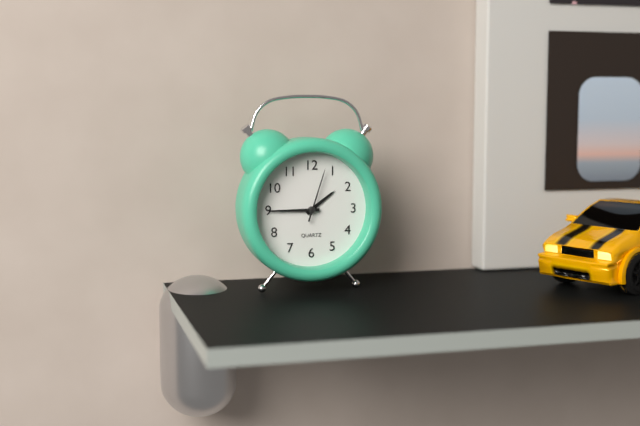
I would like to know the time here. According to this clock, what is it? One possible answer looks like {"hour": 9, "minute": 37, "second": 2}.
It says {"hour": 1, "minute": 45, "second": 3}
